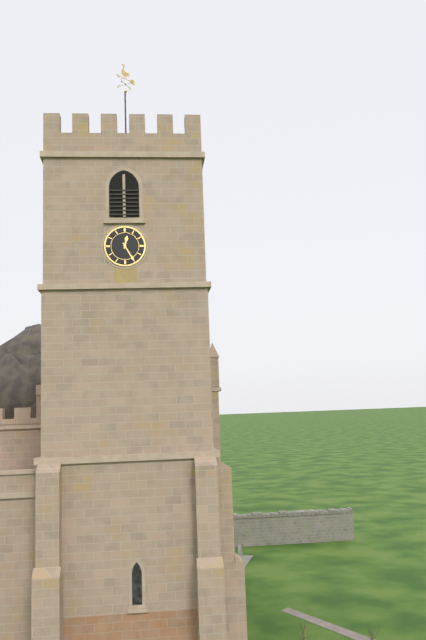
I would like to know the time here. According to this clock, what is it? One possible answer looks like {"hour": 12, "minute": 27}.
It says {"hour": 12, "minute": 25}
